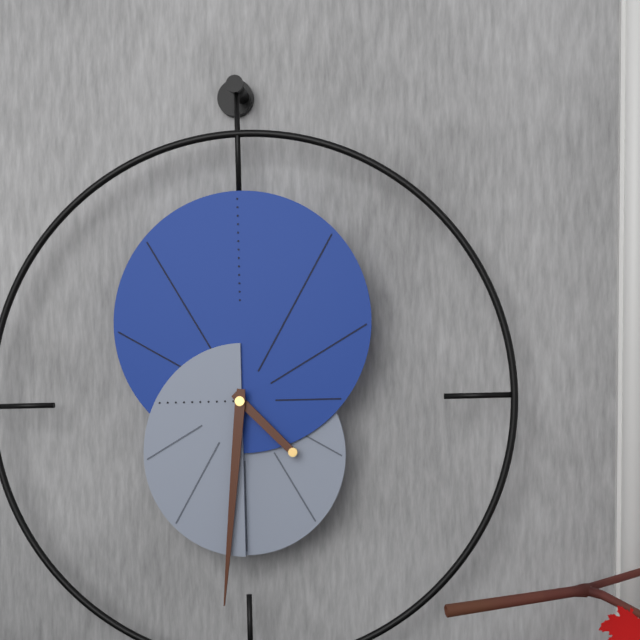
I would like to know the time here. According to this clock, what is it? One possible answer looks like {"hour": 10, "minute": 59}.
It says {"hour": 4, "minute": 31}
